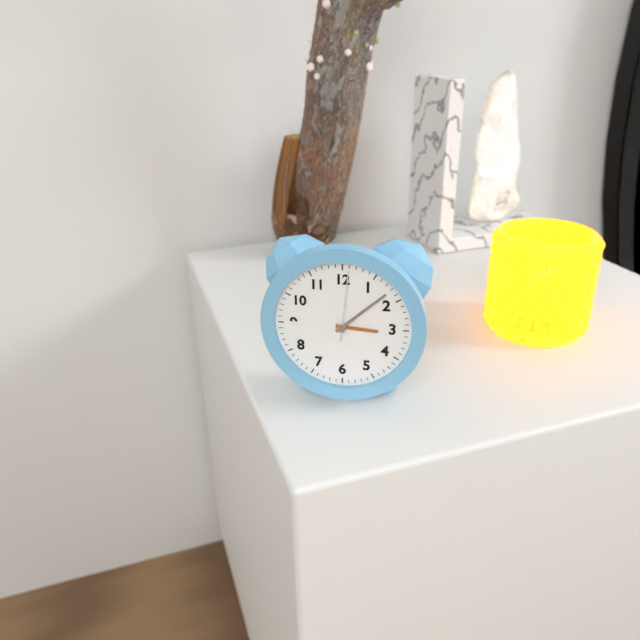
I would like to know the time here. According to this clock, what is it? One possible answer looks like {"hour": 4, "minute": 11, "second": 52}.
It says {"hour": 3, "minute": 8, "second": 1}
